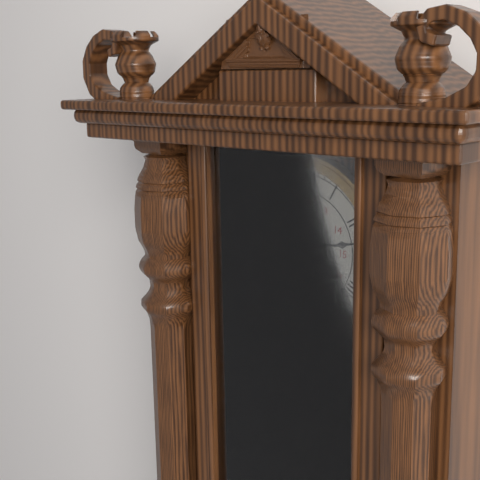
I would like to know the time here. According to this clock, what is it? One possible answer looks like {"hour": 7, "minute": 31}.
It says {"hour": 4, "minute": 13}
